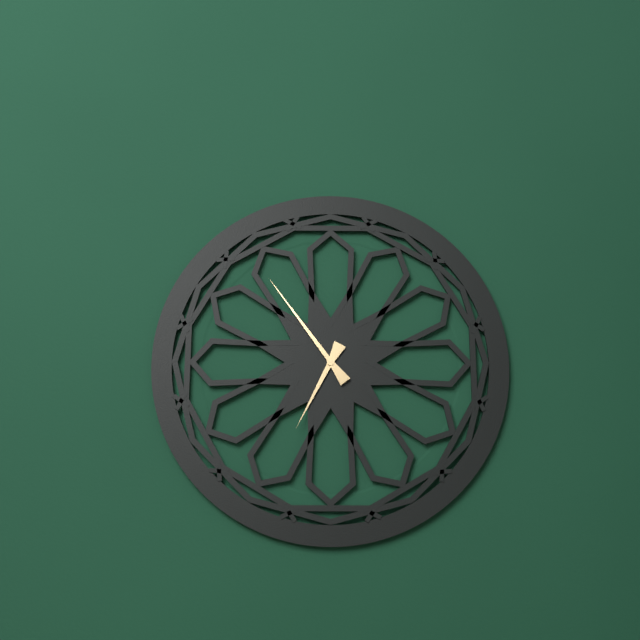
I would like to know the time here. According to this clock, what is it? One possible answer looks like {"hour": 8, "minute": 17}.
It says {"hour": 6, "minute": 54}
